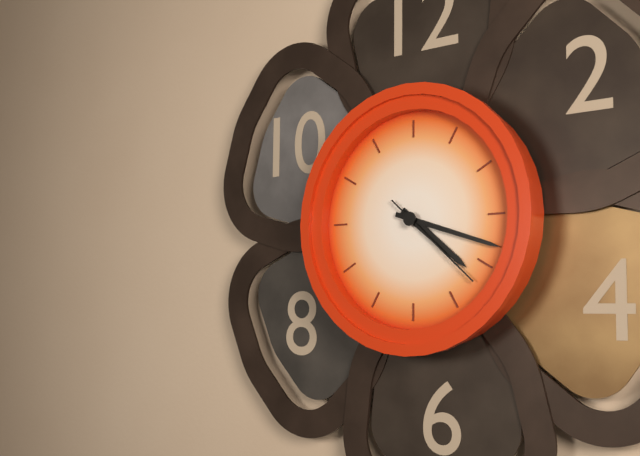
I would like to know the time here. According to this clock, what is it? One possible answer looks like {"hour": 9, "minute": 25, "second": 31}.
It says {"hour": 4, "minute": 18, "second": 22}
